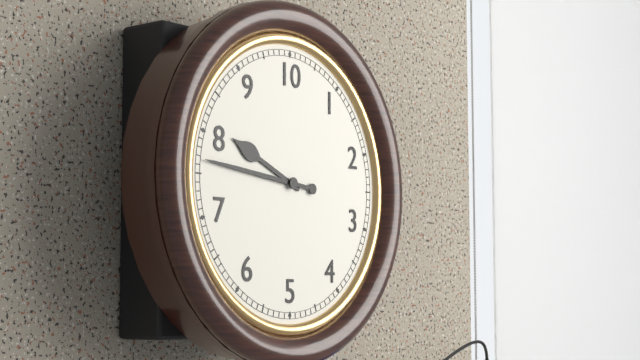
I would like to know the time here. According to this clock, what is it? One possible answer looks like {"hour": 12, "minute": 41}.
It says {"hour": 9, "minute": 46}
